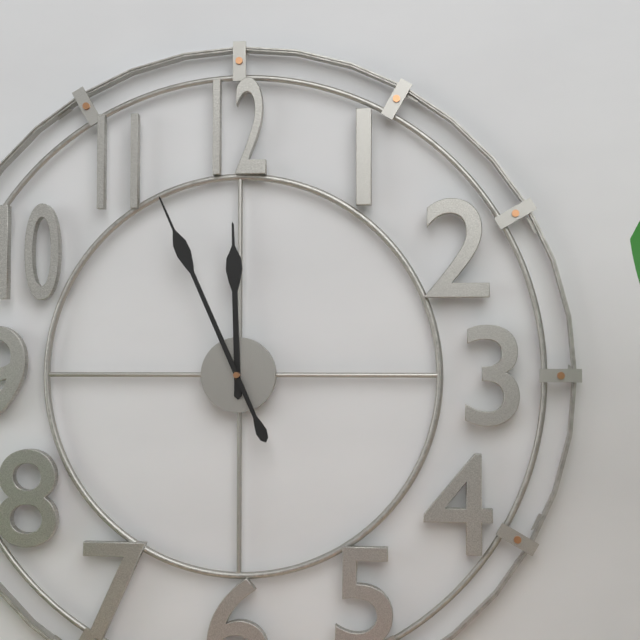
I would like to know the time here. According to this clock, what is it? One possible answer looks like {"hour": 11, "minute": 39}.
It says {"hour": 11, "minute": 56}
